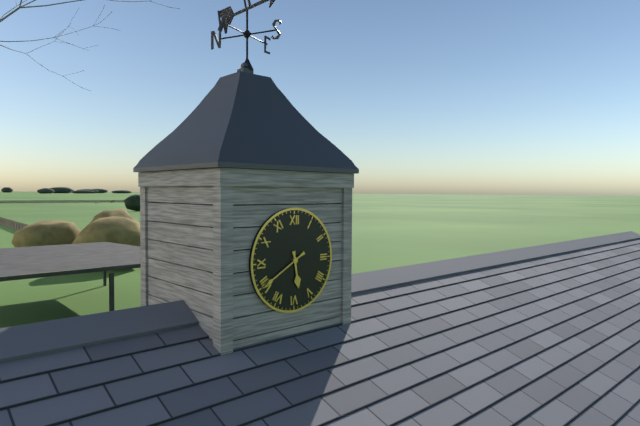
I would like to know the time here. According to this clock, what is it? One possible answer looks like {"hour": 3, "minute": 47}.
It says {"hour": 5, "minute": 40}
